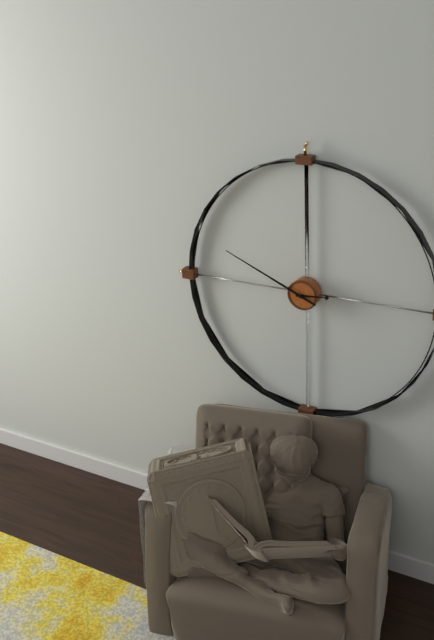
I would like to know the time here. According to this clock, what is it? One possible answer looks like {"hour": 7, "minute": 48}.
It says {"hour": 2, "minute": 49}
